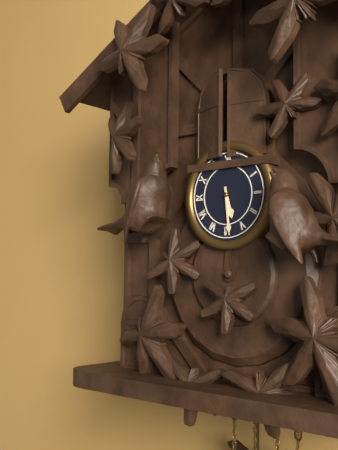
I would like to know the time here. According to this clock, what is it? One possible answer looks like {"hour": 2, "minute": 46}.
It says {"hour": 5, "minute": 29}
